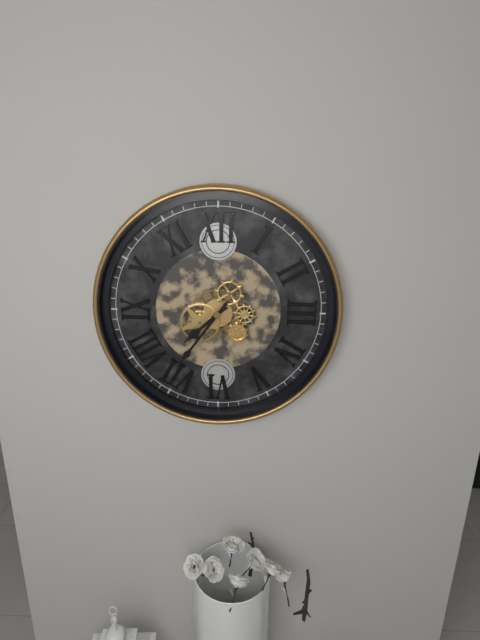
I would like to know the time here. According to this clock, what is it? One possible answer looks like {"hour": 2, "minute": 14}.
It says {"hour": 7, "minute": 36}
